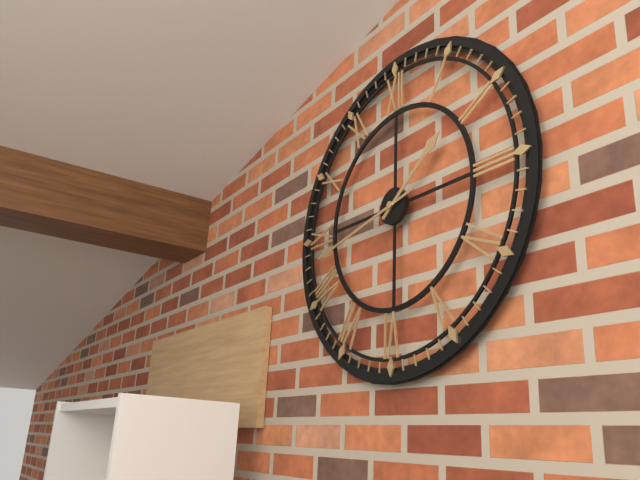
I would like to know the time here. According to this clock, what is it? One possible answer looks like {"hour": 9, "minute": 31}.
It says {"hour": 1, "minute": 43}
